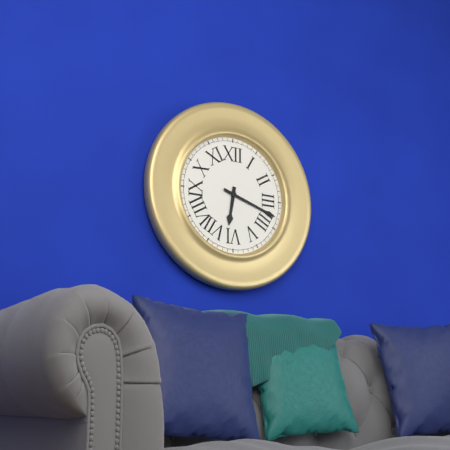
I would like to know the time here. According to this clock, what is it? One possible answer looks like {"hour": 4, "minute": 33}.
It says {"hour": 6, "minute": 18}
